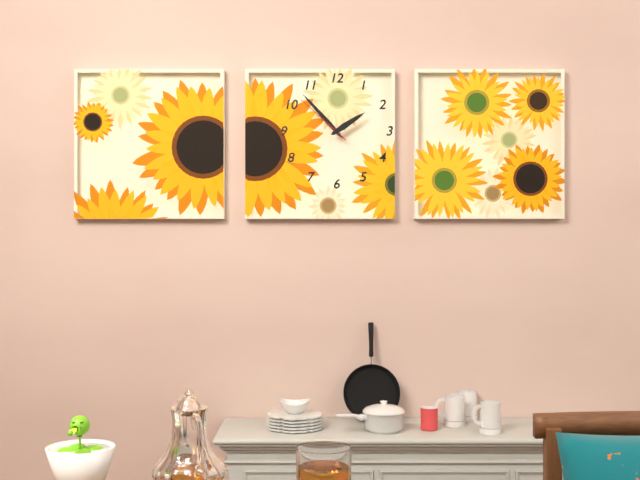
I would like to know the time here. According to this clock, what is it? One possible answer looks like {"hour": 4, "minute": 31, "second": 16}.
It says {"hour": 1, "minute": 53, "second": 52}
